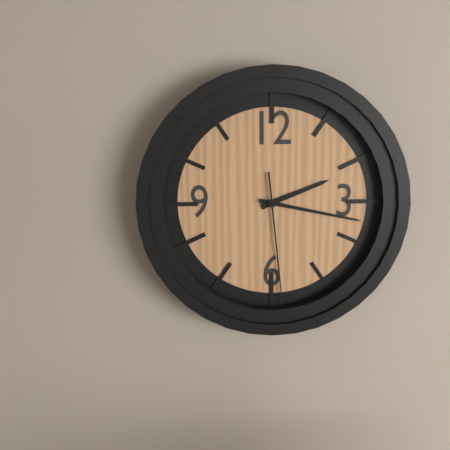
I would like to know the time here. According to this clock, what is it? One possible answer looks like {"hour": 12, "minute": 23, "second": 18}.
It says {"hour": 2, "minute": 17, "second": 29}
